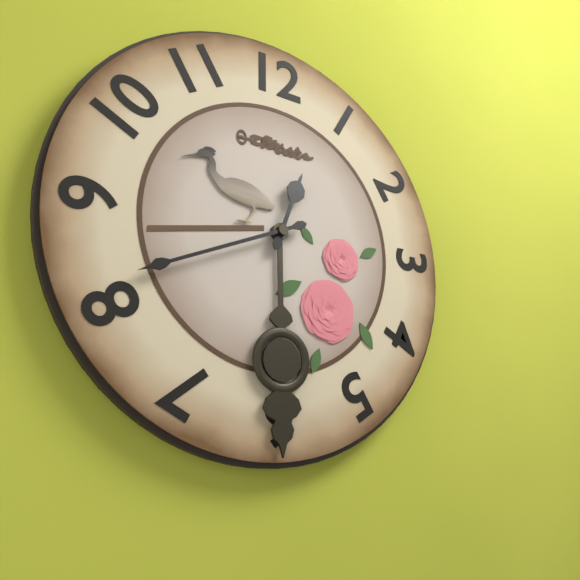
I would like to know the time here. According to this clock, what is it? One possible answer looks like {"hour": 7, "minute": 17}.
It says {"hour": 12, "minute": 41}
